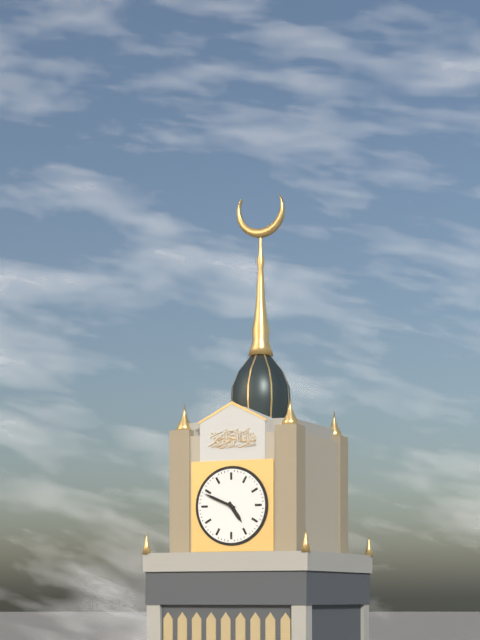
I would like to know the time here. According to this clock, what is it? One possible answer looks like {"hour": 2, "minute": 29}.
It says {"hour": 4, "minute": 49}
